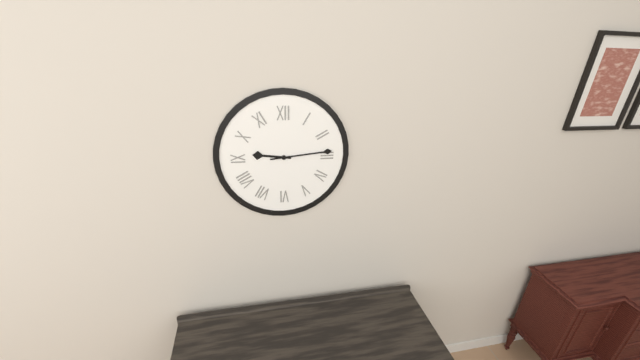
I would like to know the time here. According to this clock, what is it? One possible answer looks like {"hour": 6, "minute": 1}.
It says {"hour": 9, "minute": 14}
